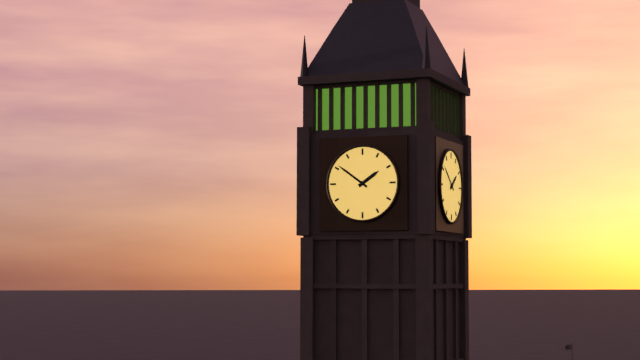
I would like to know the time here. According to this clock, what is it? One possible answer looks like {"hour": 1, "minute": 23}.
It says {"hour": 1, "minute": 51}
